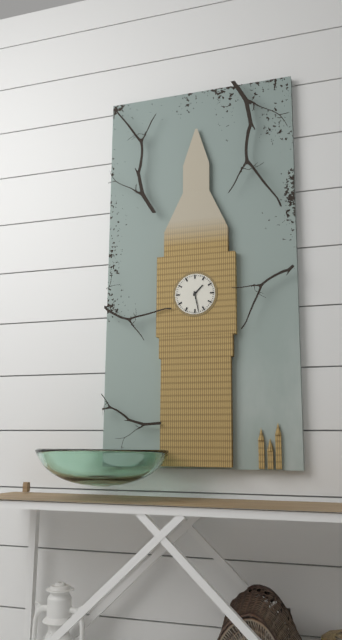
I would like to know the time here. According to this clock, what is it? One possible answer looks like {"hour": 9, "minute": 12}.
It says {"hour": 1, "minute": 28}
